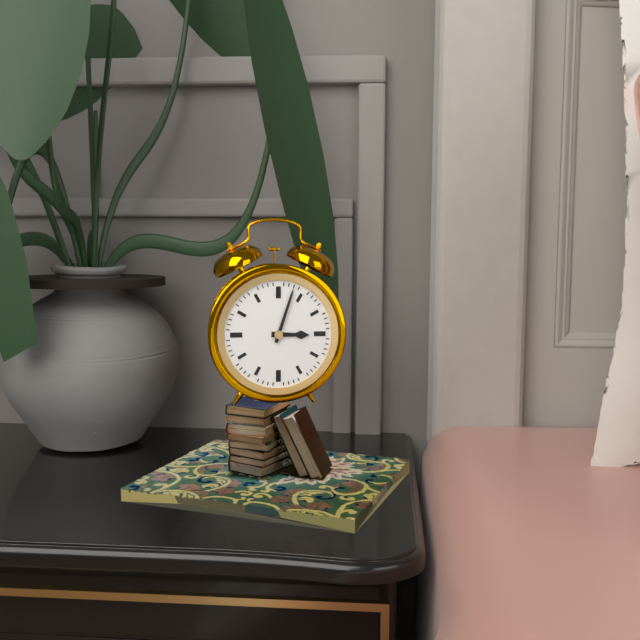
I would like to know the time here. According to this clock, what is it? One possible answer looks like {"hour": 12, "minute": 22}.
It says {"hour": 3, "minute": 3}
